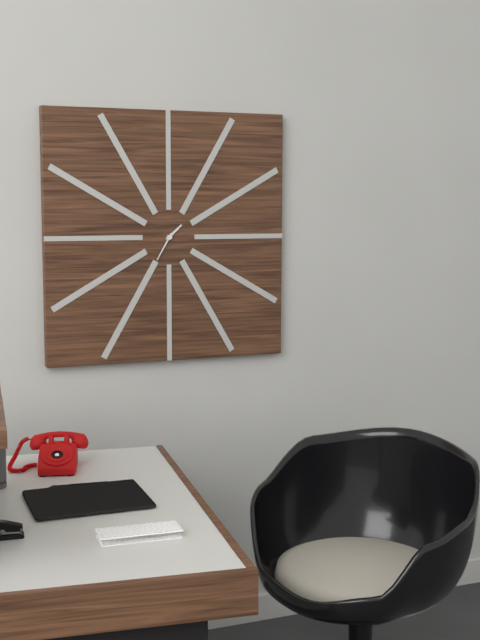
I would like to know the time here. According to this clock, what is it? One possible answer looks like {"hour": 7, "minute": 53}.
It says {"hour": 1, "minute": 35}
